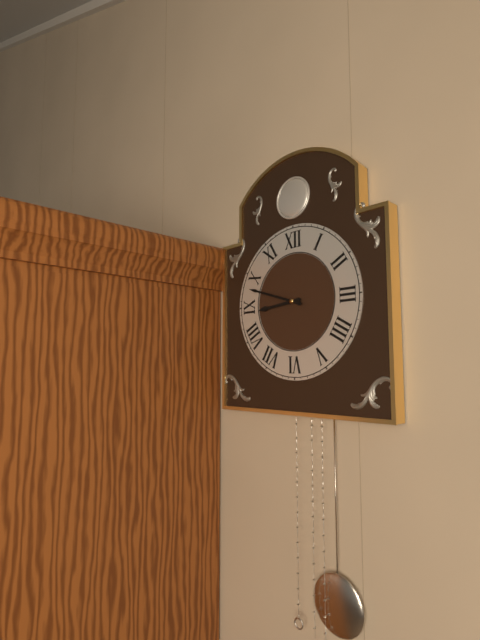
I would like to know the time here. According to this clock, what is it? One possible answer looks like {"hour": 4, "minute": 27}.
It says {"hour": 8, "minute": 48}
